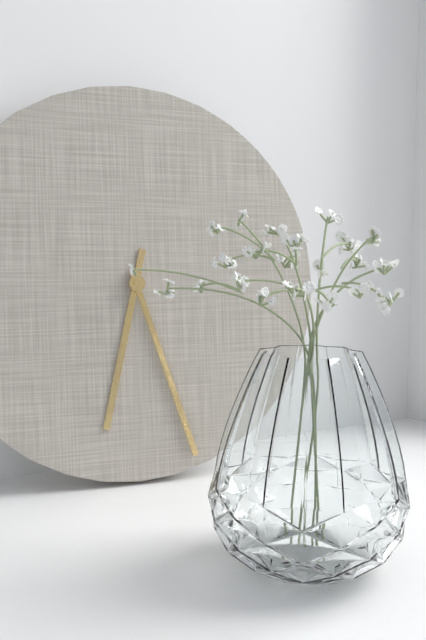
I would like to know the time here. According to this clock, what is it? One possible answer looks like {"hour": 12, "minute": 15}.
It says {"hour": 6, "minute": 27}
